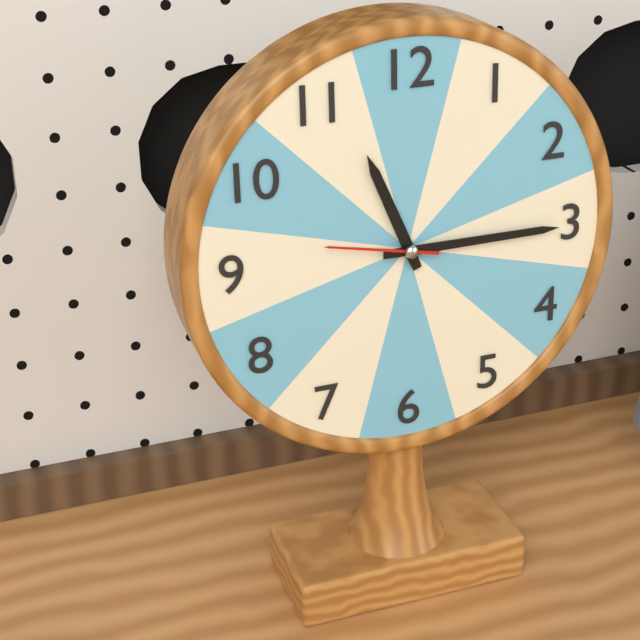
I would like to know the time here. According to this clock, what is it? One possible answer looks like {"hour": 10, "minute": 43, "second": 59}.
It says {"hour": 11, "minute": 15, "second": 47}
